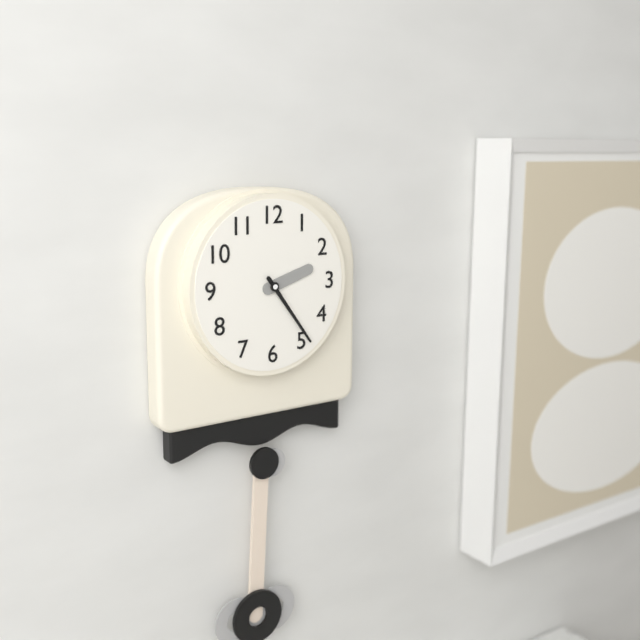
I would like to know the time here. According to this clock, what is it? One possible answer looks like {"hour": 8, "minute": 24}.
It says {"hour": 2, "minute": 24}
